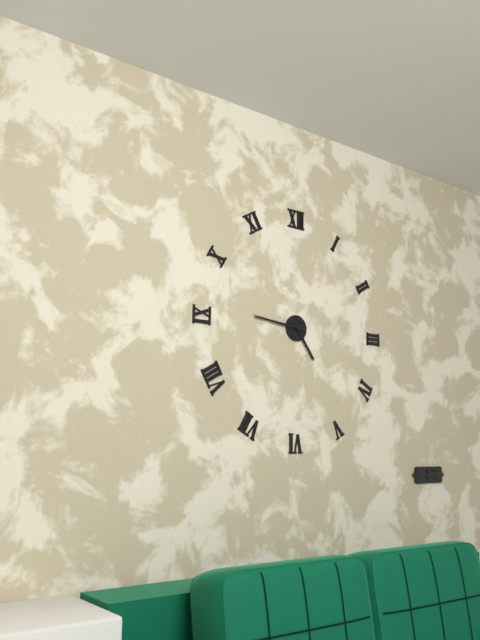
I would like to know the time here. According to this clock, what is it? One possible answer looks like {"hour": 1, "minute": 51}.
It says {"hour": 4, "minute": 46}
